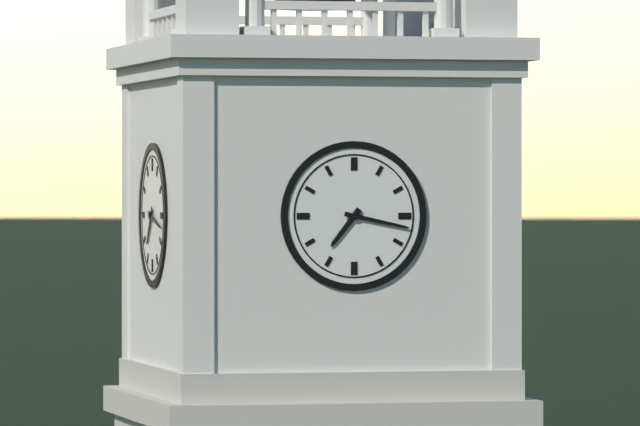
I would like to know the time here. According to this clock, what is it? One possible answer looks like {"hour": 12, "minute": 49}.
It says {"hour": 7, "minute": 17}
